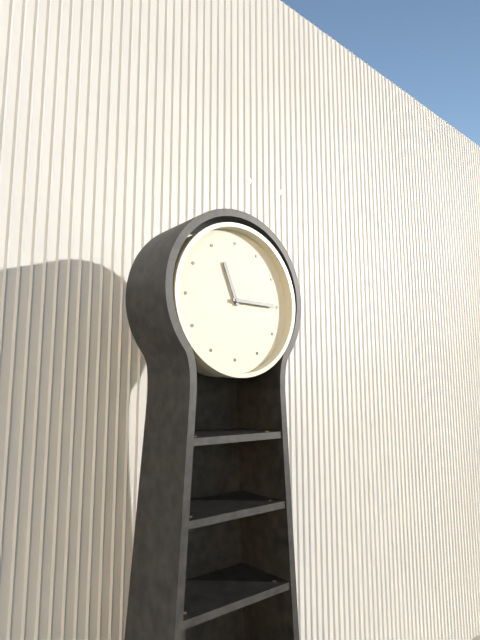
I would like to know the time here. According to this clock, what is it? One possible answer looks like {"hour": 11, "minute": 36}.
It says {"hour": 11, "minute": 15}
